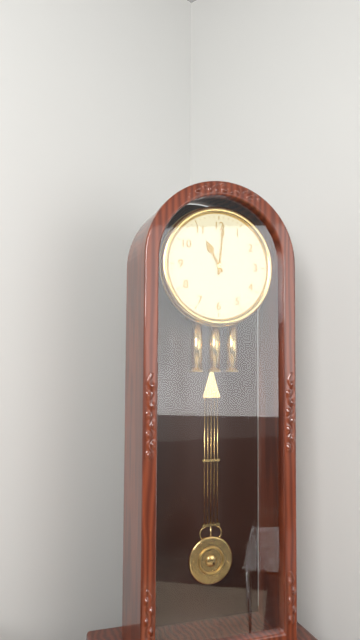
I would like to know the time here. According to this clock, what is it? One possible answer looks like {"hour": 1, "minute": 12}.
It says {"hour": 11, "minute": 1}
